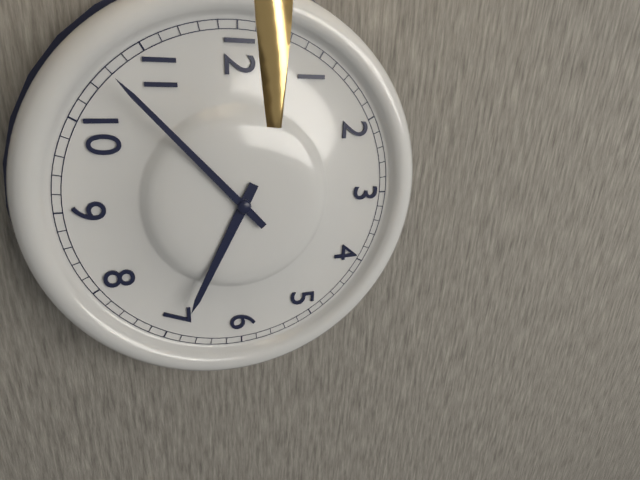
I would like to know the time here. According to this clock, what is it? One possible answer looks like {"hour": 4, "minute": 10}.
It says {"hour": 6, "minute": 53}
